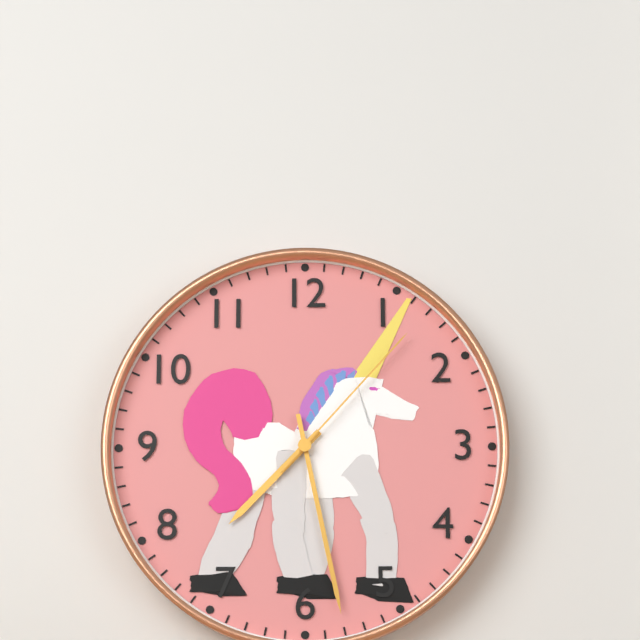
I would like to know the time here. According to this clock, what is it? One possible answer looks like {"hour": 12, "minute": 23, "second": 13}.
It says {"hour": 7, "minute": 28, "second": 7}
